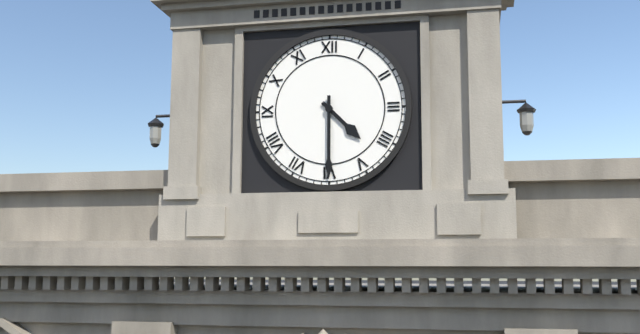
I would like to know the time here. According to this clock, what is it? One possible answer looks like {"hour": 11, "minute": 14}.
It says {"hour": 4, "minute": 30}
